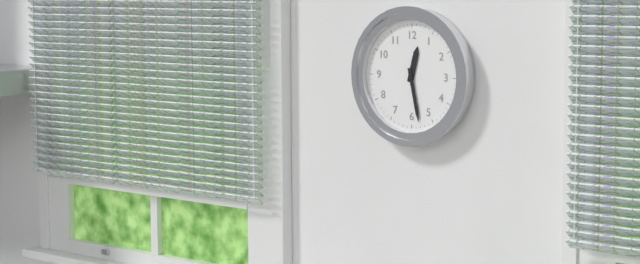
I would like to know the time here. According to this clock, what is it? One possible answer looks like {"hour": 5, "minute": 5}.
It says {"hour": 12, "minute": 28}
